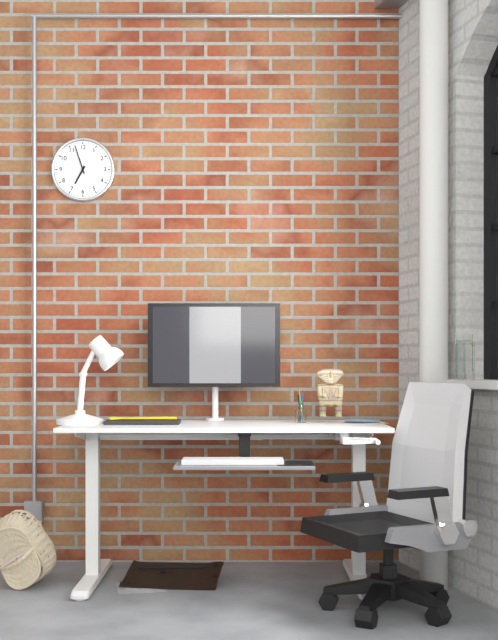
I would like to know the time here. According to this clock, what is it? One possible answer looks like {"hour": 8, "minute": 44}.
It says {"hour": 6, "minute": 57}
